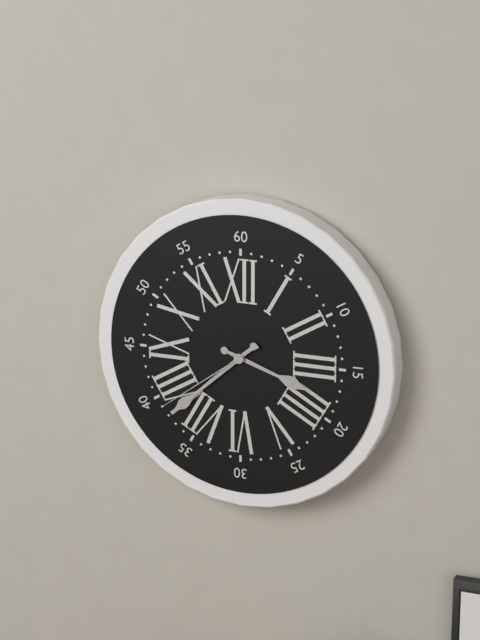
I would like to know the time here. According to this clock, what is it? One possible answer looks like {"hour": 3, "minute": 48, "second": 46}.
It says {"hour": 3, "minute": 38, "second": 39}
